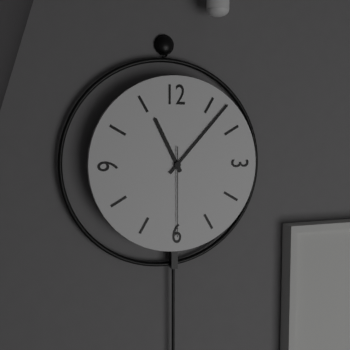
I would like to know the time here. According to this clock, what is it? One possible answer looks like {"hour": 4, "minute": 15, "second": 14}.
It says {"hour": 11, "minute": 7, "second": 30}
